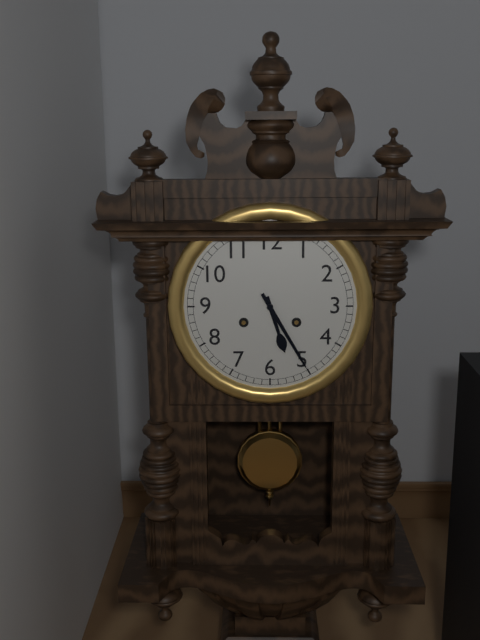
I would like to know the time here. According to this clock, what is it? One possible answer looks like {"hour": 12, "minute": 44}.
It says {"hour": 5, "minute": 25}
